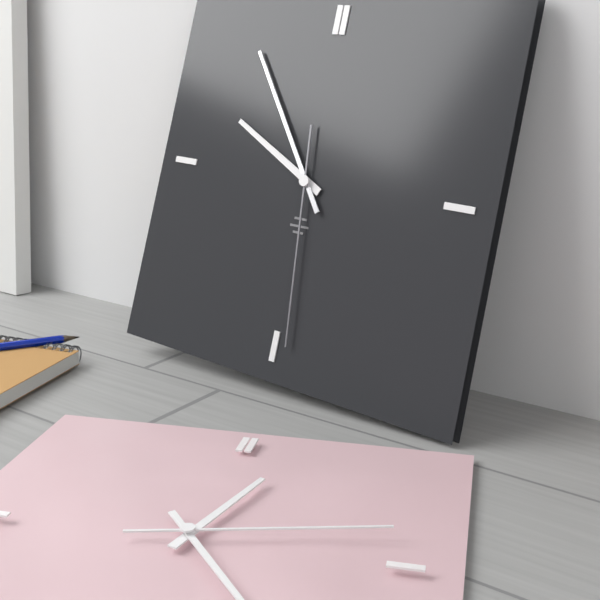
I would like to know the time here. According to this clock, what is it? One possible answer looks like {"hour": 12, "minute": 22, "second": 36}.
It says {"hour": 9, "minute": 54, "second": 29}
